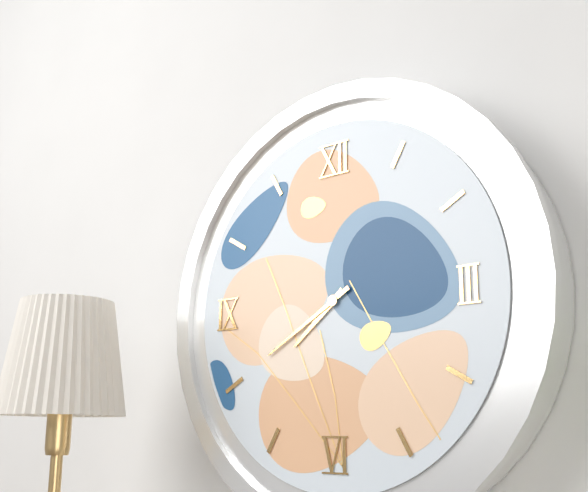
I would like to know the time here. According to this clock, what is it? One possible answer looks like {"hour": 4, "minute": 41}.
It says {"hour": 7, "minute": 40}
